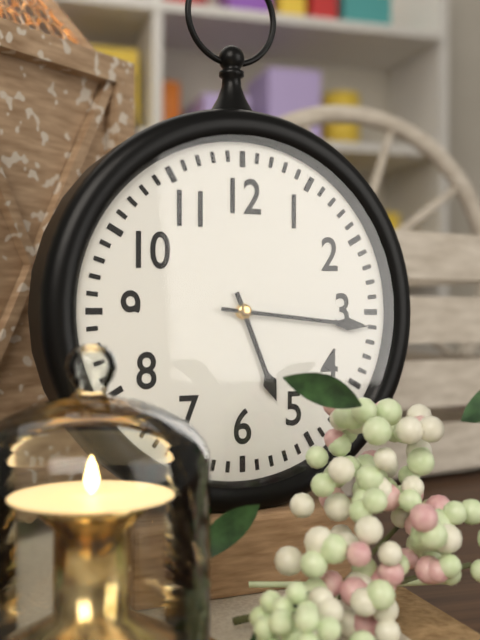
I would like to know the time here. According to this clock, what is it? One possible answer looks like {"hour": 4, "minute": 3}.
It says {"hour": 5, "minute": 16}
